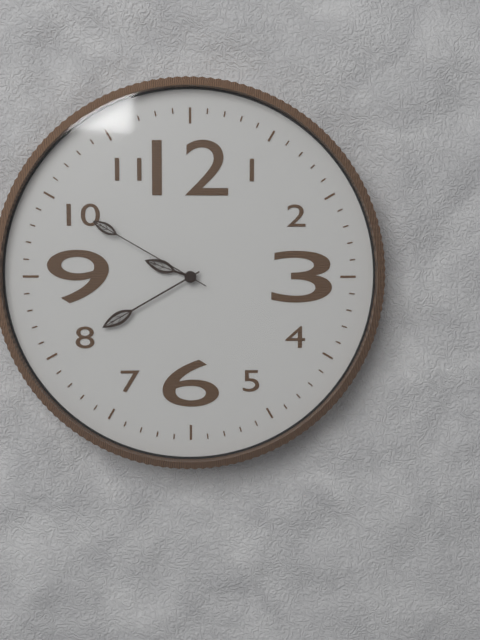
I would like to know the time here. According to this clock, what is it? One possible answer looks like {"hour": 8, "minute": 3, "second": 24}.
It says {"hour": 9, "minute": 40, "second": 50}
